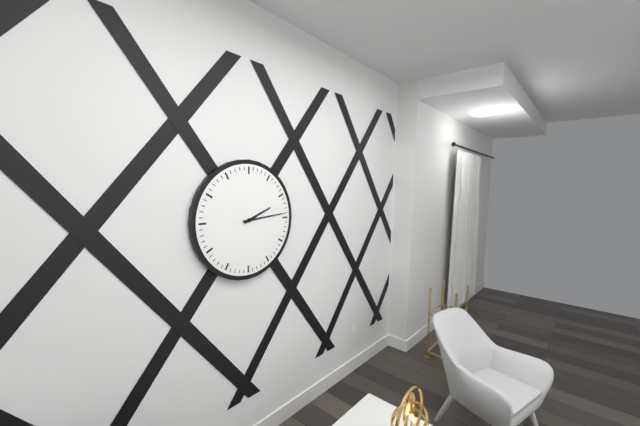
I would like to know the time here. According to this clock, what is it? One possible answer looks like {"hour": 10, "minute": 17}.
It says {"hour": 2, "minute": 14}
